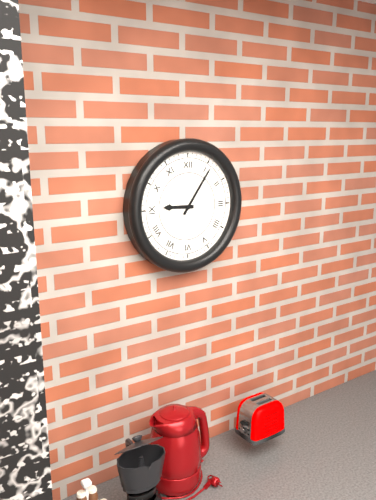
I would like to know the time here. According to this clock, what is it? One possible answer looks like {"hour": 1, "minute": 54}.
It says {"hour": 9, "minute": 6}
